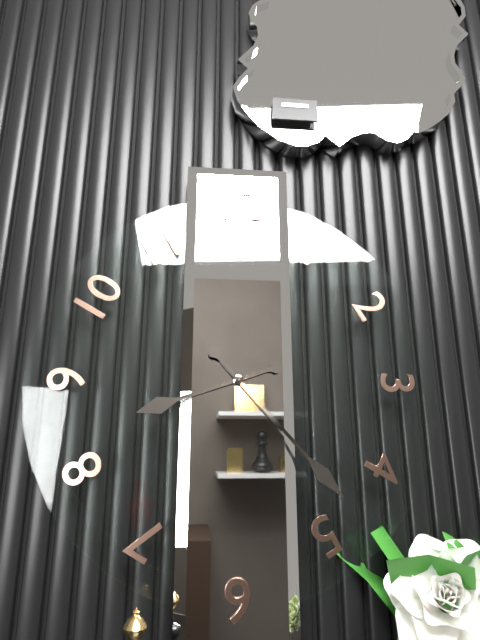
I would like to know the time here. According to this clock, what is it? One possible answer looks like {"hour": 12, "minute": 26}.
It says {"hour": 8, "minute": 23}
